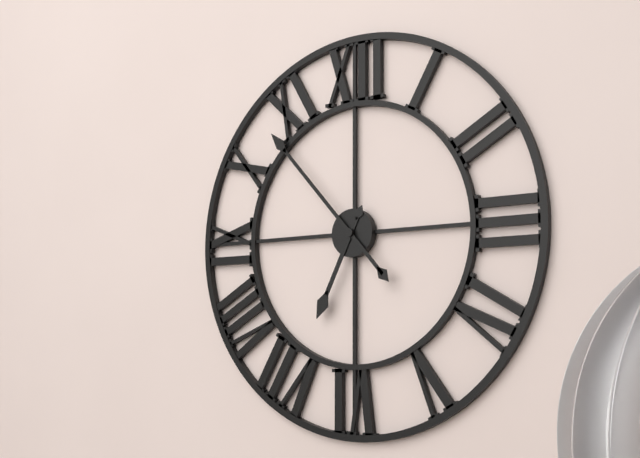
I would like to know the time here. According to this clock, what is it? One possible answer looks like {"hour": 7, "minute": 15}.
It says {"hour": 6, "minute": 53}
